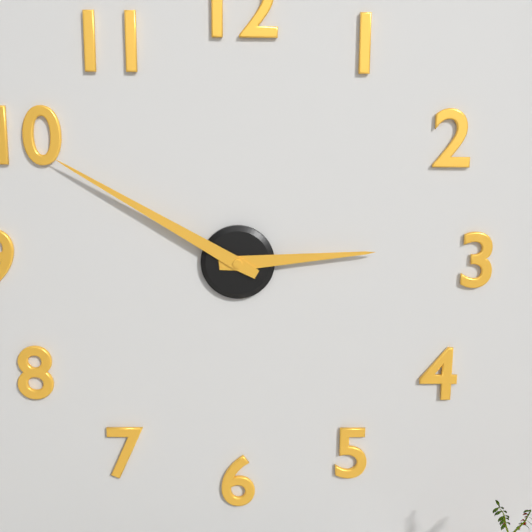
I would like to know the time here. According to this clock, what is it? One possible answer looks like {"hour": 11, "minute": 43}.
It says {"hour": 2, "minute": 50}
